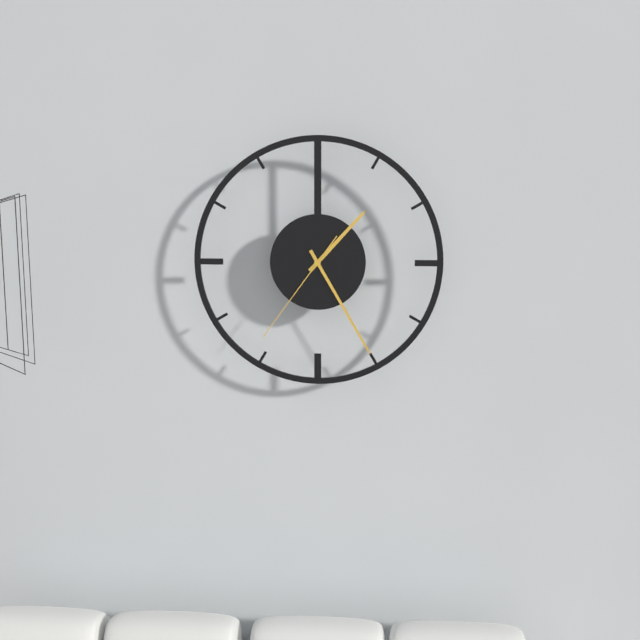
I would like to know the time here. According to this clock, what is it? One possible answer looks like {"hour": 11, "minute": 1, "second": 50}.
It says {"hour": 1, "minute": 25, "second": 36}
